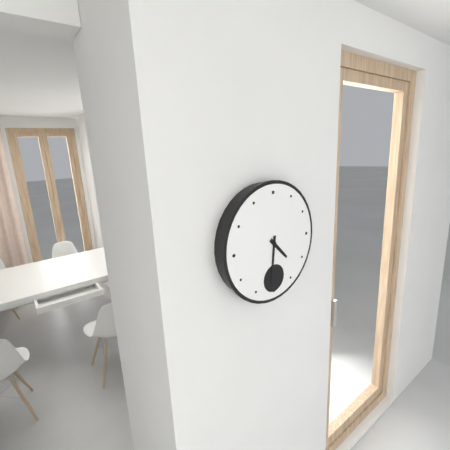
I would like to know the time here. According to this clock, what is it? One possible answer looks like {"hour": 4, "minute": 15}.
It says {"hour": 4, "minute": 31}
